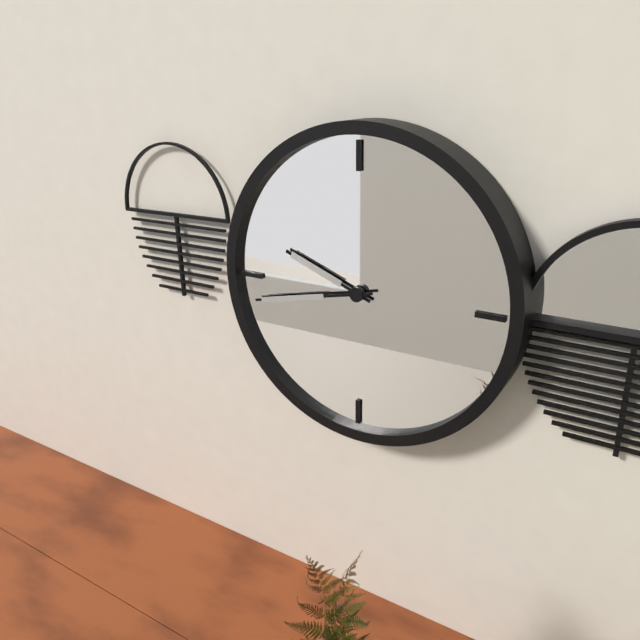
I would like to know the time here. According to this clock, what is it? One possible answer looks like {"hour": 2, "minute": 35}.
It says {"hour": 9, "minute": 43}
